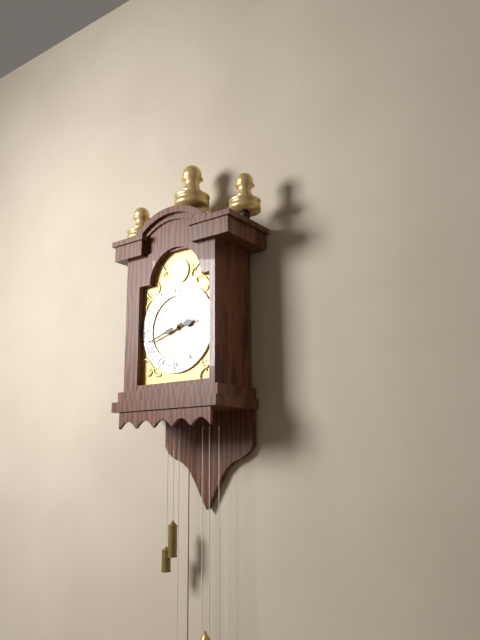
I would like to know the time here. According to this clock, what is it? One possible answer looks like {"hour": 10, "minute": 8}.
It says {"hour": 2, "minute": 42}
